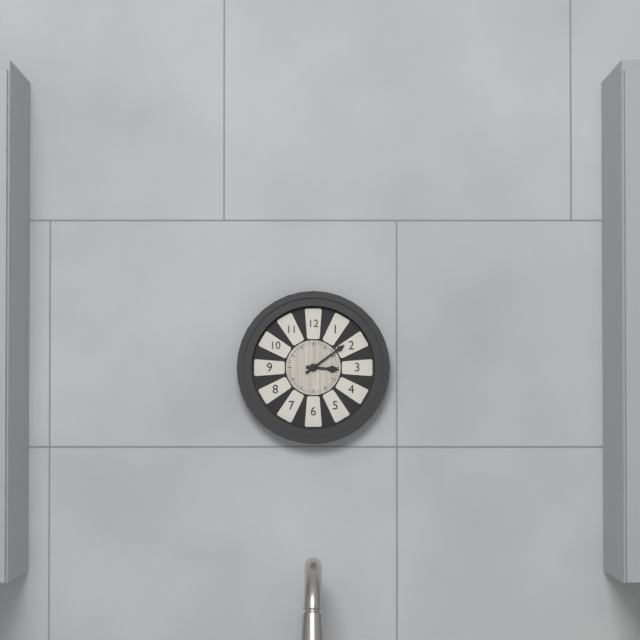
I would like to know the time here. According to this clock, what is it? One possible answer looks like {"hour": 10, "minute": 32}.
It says {"hour": 3, "minute": 9}
